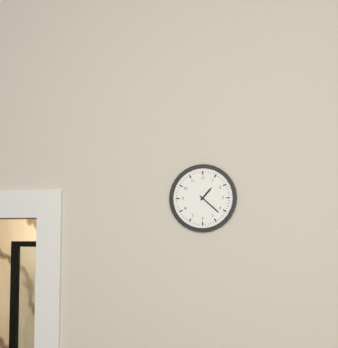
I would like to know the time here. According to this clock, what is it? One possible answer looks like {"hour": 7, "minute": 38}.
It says {"hour": 1, "minute": 22}
